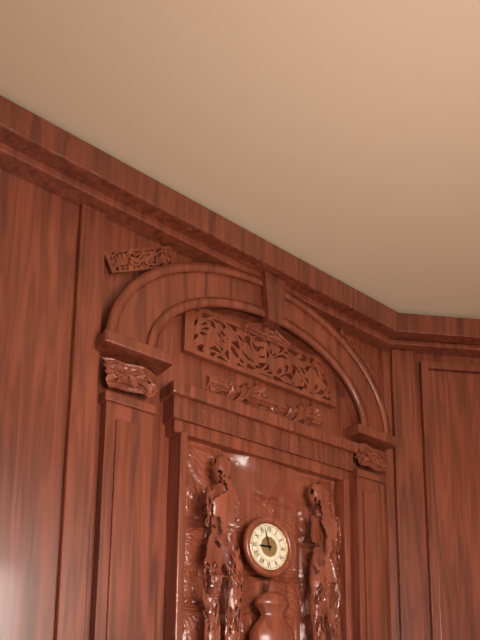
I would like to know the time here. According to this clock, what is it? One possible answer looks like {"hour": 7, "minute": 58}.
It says {"hour": 8, "minute": 57}
